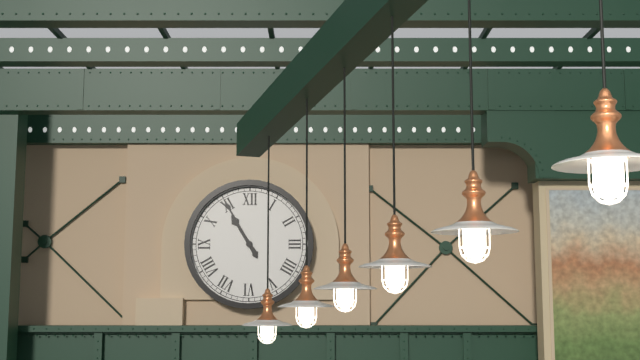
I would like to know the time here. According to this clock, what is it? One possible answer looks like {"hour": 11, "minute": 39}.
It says {"hour": 10, "minute": 55}
